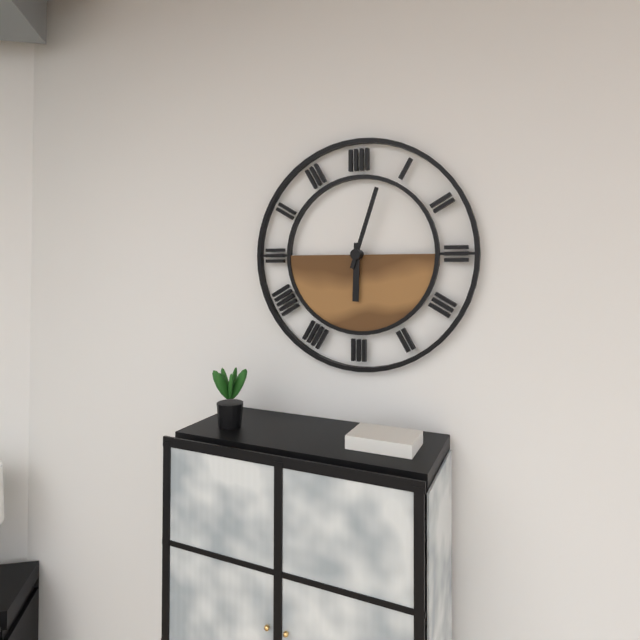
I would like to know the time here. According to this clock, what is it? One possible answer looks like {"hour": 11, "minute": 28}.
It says {"hour": 6, "minute": 3}
